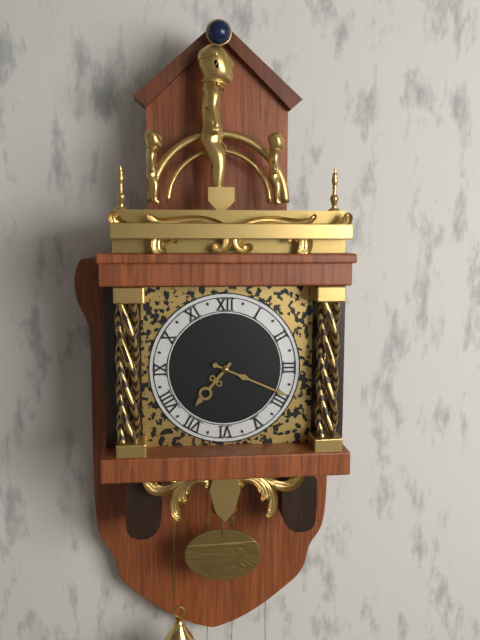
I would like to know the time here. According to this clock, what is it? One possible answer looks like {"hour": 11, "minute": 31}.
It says {"hour": 7, "minute": 19}
